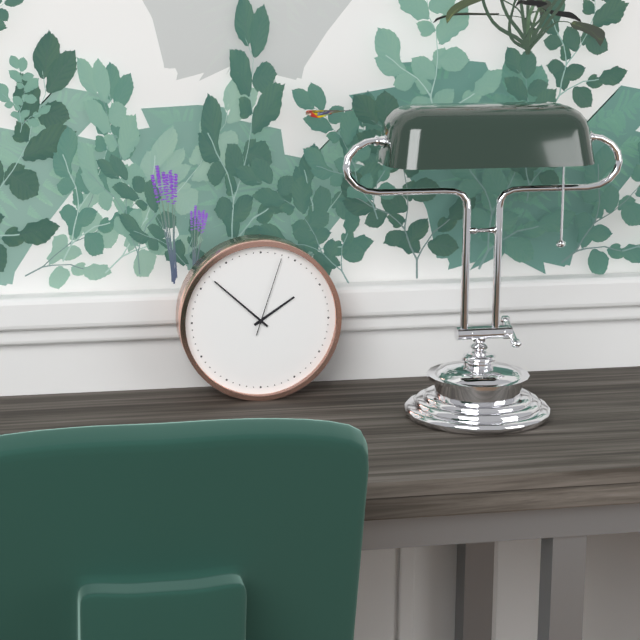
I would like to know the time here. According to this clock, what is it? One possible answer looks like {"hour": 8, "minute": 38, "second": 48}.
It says {"hour": 1, "minute": 52, "second": 3}
